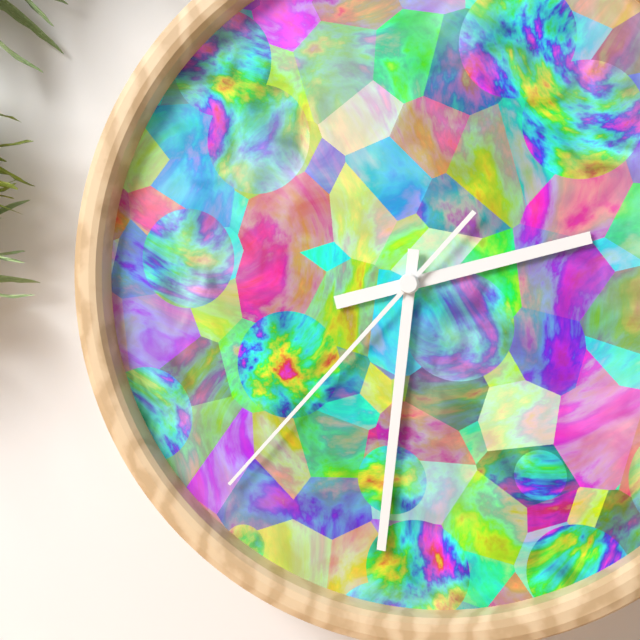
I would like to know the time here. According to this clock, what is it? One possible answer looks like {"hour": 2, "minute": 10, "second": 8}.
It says {"hour": 2, "minute": 31, "second": 37}
